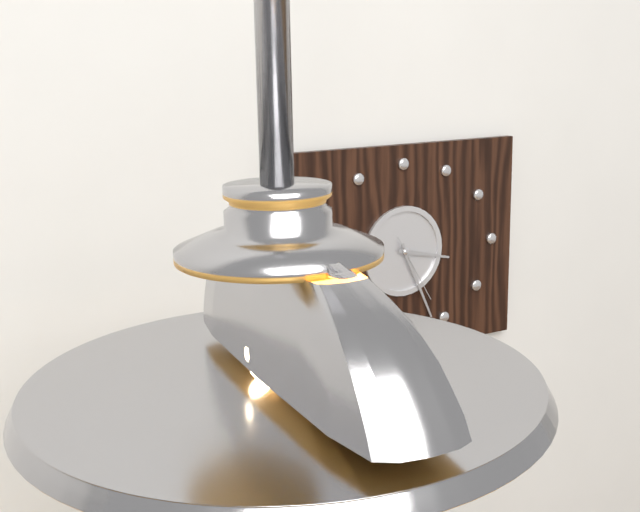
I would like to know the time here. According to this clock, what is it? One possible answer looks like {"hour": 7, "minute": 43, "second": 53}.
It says {"hour": 3, "minute": 26, "second": 25}
